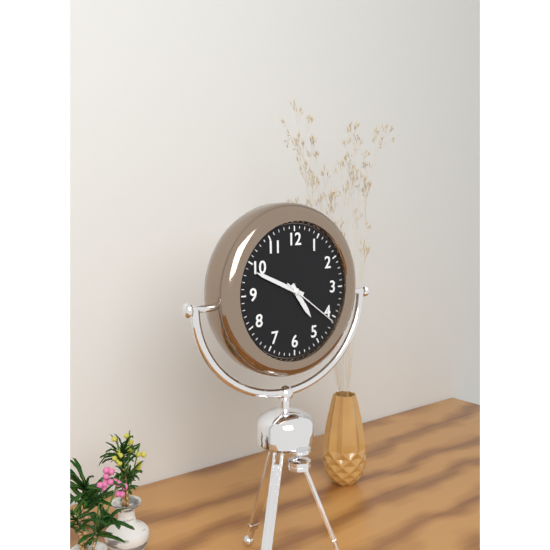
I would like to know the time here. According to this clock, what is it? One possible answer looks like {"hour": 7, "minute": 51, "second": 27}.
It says {"hour": 4, "minute": 49, "second": 21}
